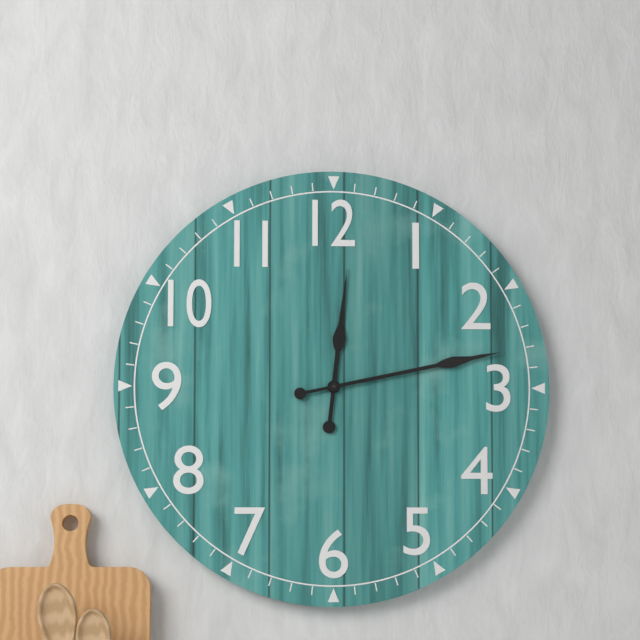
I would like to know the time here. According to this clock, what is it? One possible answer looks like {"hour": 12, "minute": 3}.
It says {"hour": 12, "minute": 13}
